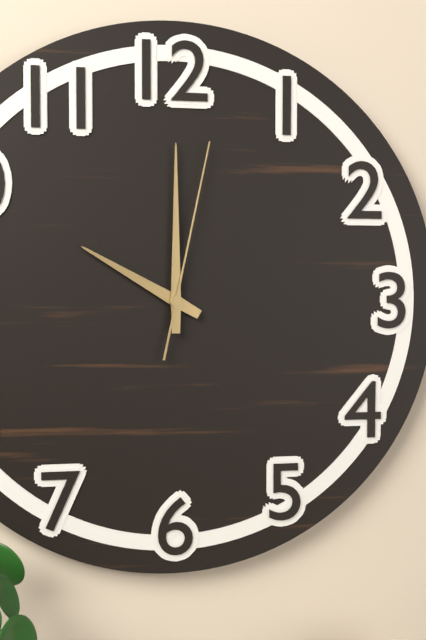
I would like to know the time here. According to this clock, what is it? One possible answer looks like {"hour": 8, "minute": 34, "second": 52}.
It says {"hour": 10, "minute": 0, "second": 2}
